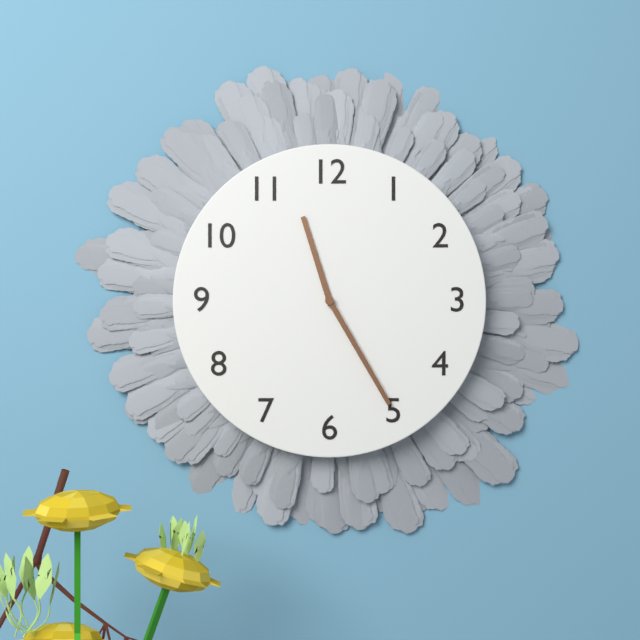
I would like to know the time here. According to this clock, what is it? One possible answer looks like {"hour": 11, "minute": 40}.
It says {"hour": 11, "minute": 25}
